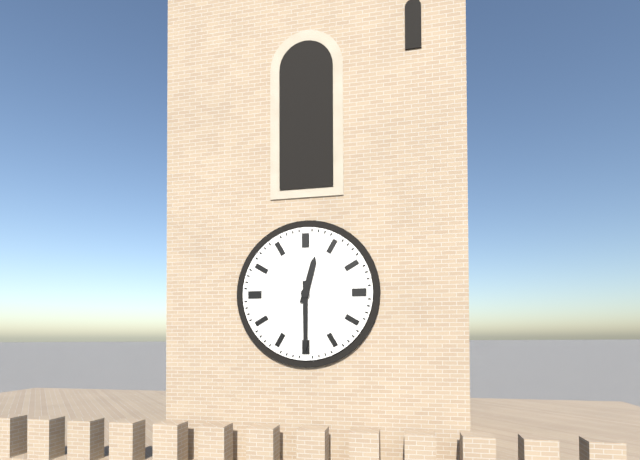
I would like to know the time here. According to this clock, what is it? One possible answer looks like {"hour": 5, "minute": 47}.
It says {"hour": 12, "minute": 30}
